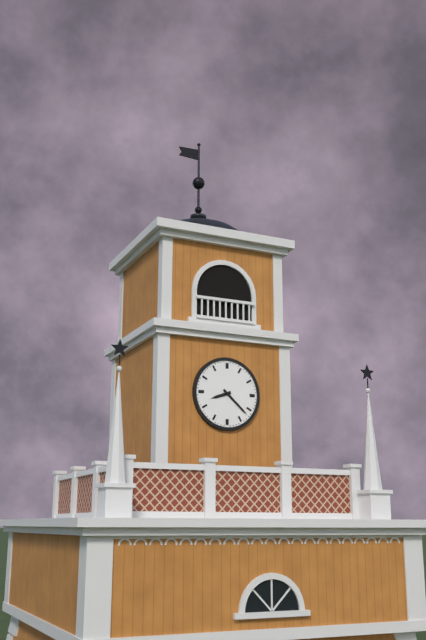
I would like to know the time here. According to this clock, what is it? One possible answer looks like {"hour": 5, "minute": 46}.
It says {"hour": 8, "minute": 22}
